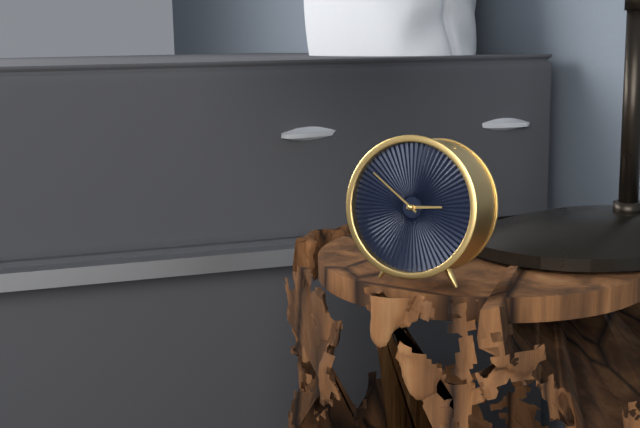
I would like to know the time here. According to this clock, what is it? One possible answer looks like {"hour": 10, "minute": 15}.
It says {"hour": 2, "minute": 51}
